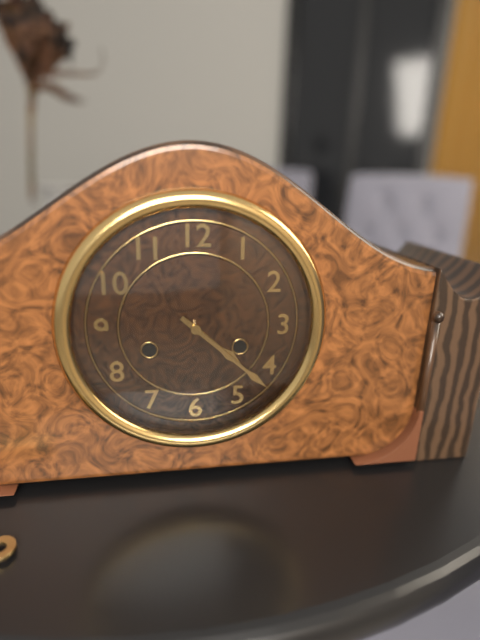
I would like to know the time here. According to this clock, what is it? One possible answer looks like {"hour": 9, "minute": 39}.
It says {"hour": 4, "minute": 22}
